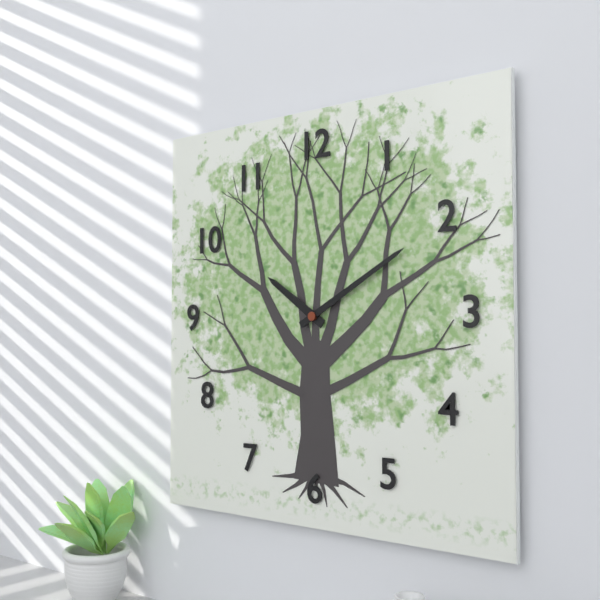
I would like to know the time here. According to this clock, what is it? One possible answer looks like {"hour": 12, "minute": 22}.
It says {"hour": 10, "minute": 10}
